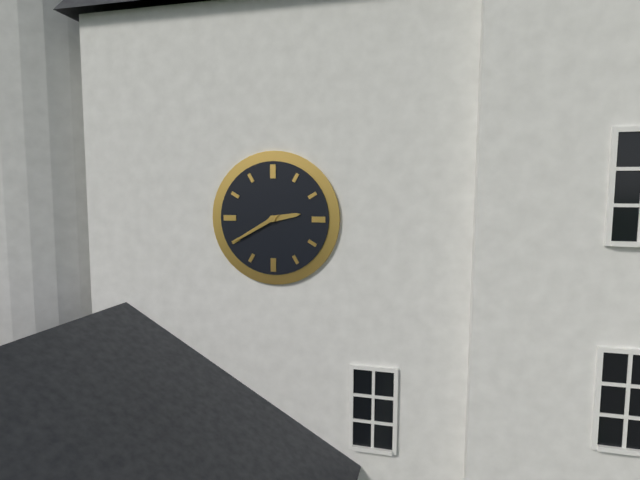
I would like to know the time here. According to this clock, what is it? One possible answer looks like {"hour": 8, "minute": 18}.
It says {"hour": 2, "minute": 40}
